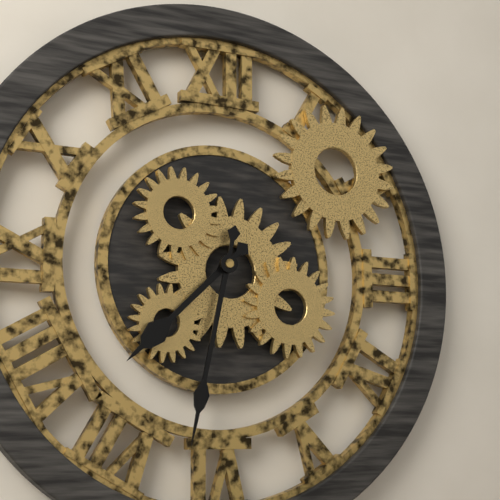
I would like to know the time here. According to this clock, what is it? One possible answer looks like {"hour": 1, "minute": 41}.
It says {"hour": 7, "minute": 32}
